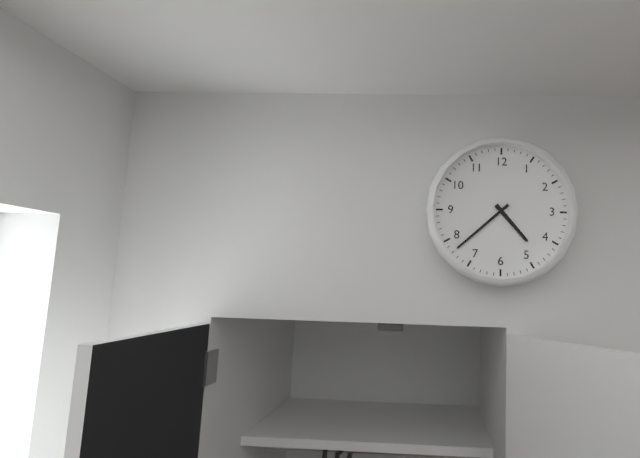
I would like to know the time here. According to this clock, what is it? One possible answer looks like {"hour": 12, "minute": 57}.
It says {"hour": 4, "minute": 38}
